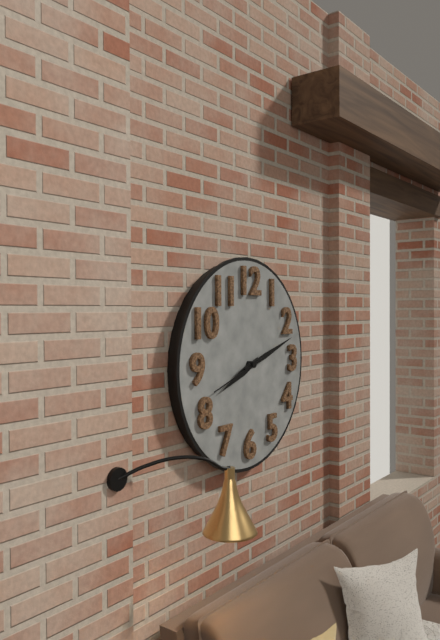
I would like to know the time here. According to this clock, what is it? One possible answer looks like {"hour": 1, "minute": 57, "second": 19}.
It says {"hour": 8, "minute": 12, "second": 42}
